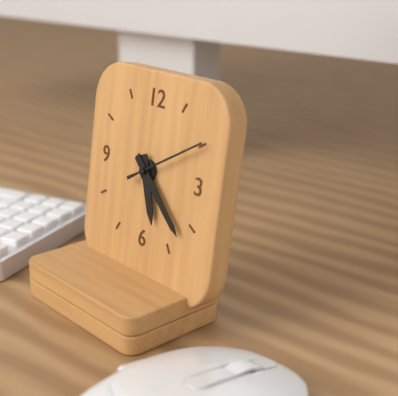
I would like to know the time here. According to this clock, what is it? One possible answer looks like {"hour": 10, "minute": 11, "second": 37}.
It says {"hour": 5, "minute": 22, "second": 10}
